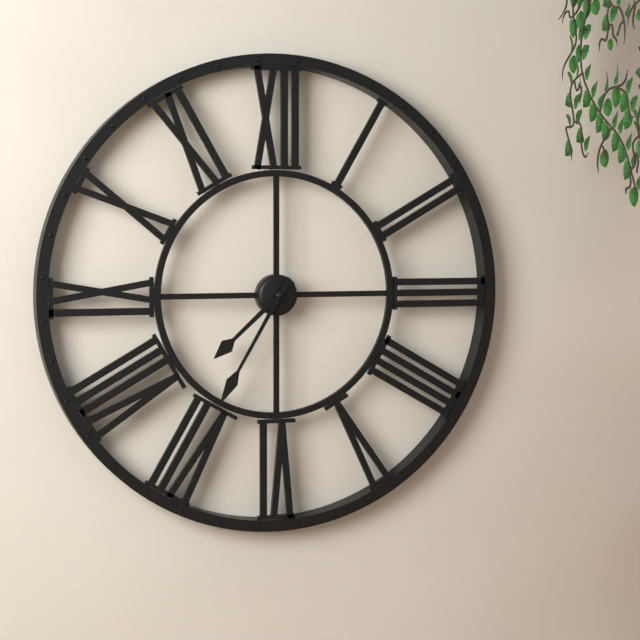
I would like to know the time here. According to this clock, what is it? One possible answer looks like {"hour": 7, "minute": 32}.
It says {"hour": 7, "minute": 35}
